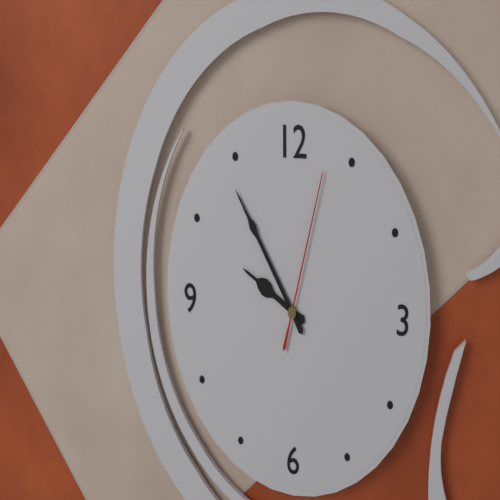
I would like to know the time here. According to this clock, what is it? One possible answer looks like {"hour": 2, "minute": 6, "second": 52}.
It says {"hour": 9, "minute": 54, "second": 3}
